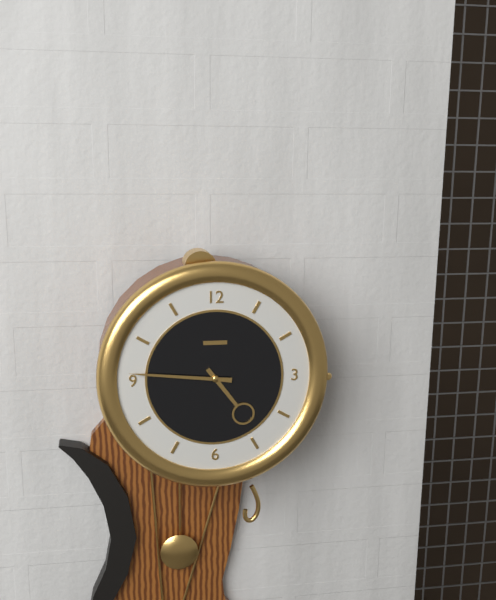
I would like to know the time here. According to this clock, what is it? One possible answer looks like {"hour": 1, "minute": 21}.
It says {"hour": 4, "minute": 46}
